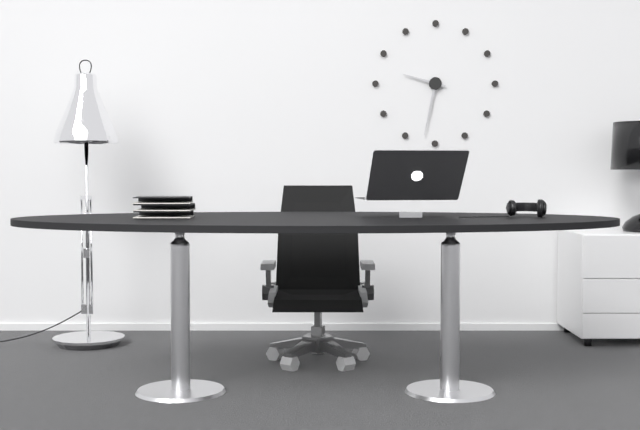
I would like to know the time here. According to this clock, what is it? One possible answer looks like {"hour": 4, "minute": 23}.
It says {"hour": 9, "minute": 32}
